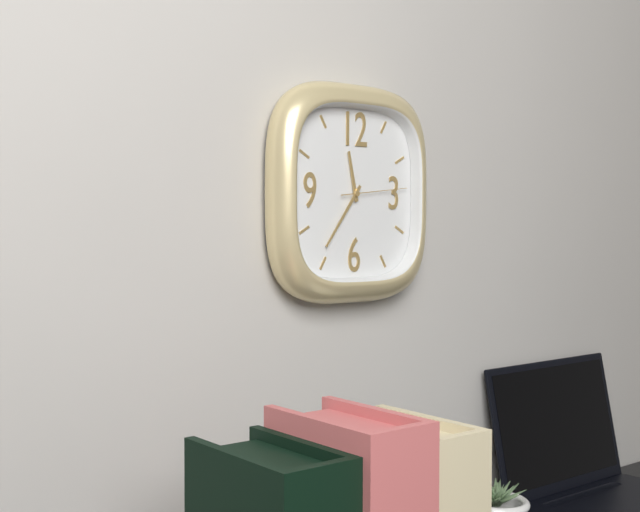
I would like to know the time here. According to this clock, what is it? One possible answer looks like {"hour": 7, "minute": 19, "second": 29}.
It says {"hour": 11, "minute": 36, "second": 14}
